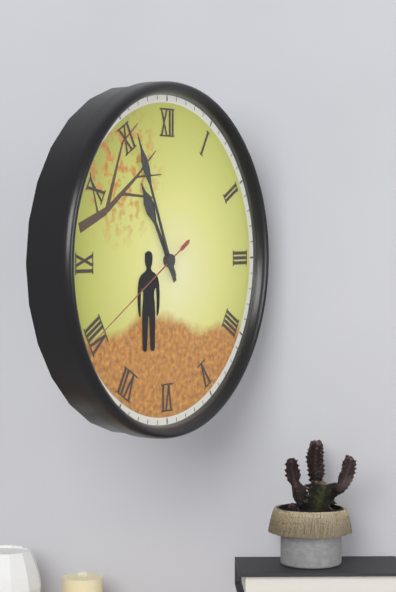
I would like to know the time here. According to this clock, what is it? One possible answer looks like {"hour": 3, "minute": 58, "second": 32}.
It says {"hour": 10, "minute": 56, "second": 40}
